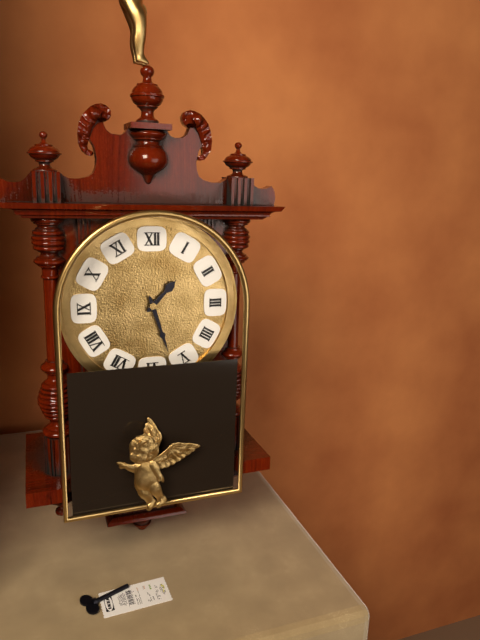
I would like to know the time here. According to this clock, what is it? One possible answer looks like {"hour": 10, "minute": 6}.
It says {"hour": 1, "minute": 27}
